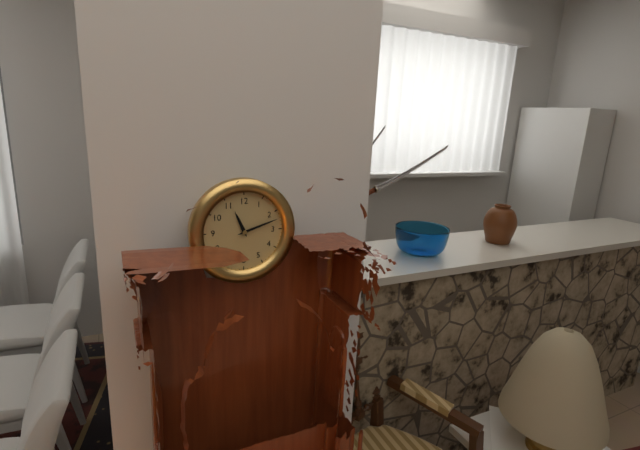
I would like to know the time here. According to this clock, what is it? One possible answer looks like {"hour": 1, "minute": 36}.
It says {"hour": 11, "minute": 12}
